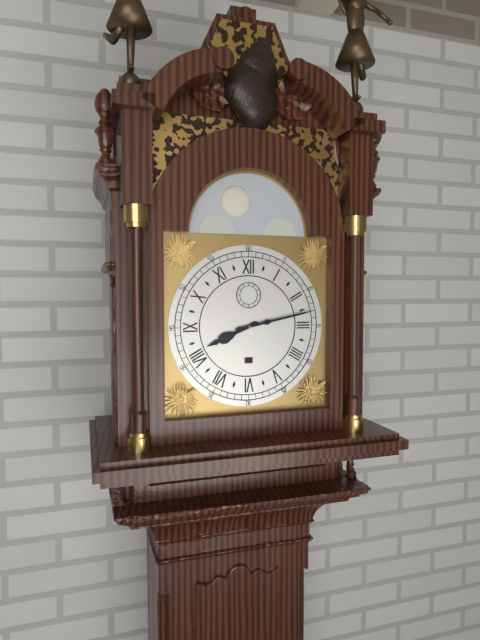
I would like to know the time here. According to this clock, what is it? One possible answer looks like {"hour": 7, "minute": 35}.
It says {"hour": 8, "minute": 13}
